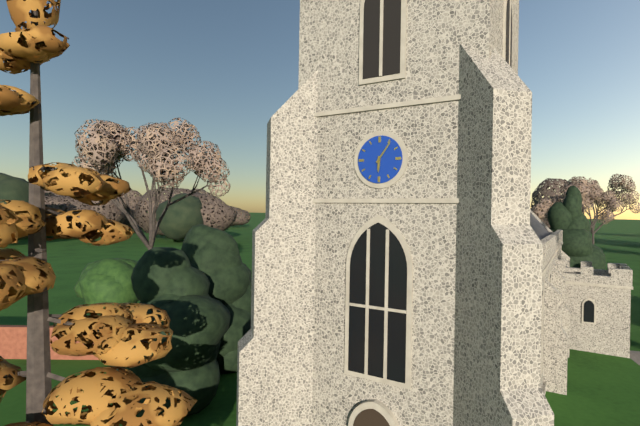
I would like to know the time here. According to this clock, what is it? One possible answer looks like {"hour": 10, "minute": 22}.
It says {"hour": 6, "minute": 6}
